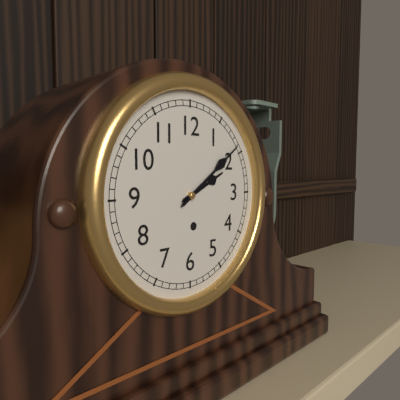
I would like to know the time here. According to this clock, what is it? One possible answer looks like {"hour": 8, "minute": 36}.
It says {"hour": 2, "minute": 9}
